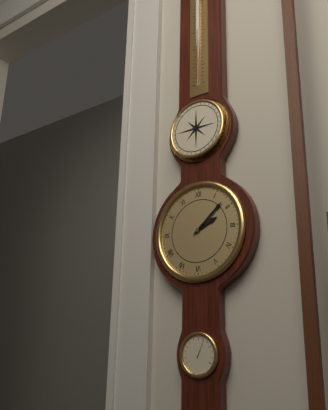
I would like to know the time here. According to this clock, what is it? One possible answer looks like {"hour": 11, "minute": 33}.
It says {"hour": 2, "minute": 8}
